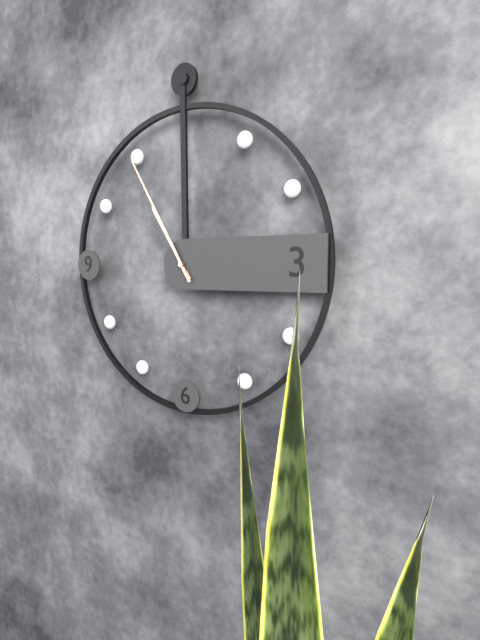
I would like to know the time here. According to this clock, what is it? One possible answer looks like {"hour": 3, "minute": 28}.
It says {"hour": 10, "minute": 55}
